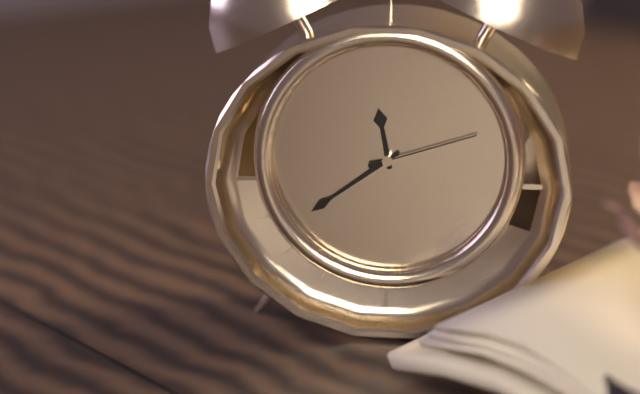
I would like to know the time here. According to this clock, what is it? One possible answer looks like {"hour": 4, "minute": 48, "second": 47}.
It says {"hour": 11, "minute": 39, "second": 12}
